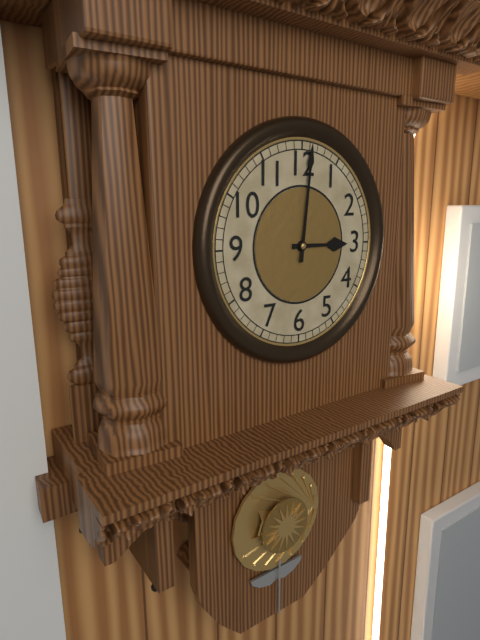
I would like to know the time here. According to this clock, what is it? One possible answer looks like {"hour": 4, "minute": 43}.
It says {"hour": 3, "minute": 1}
